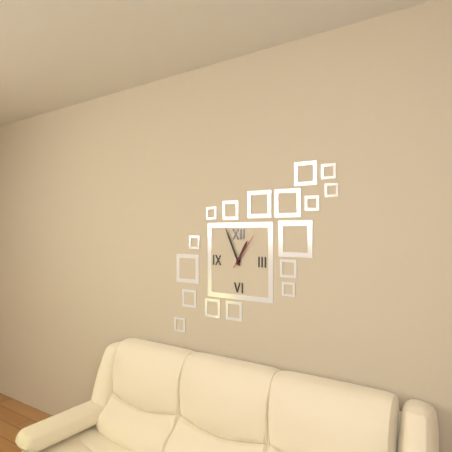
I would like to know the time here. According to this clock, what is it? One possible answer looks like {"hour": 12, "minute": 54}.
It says {"hour": 12, "minute": 56}
